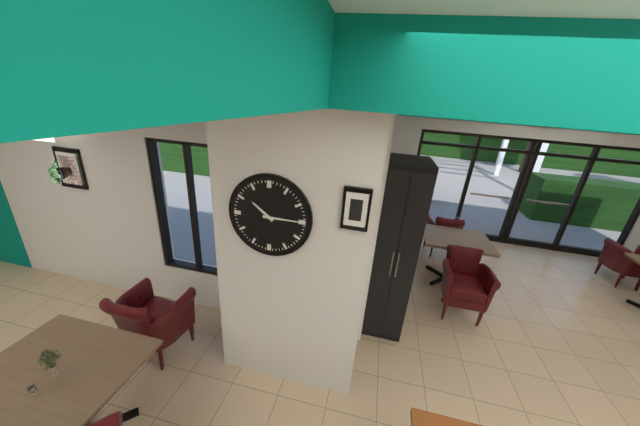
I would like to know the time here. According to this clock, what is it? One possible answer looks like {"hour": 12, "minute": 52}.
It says {"hour": 10, "minute": 15}
